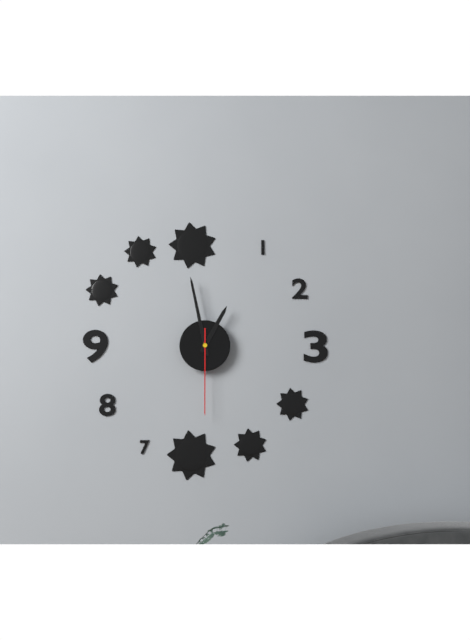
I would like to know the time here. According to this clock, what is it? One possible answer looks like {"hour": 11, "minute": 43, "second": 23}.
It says {"hour": 12, "minute": 58, "second": 30}
